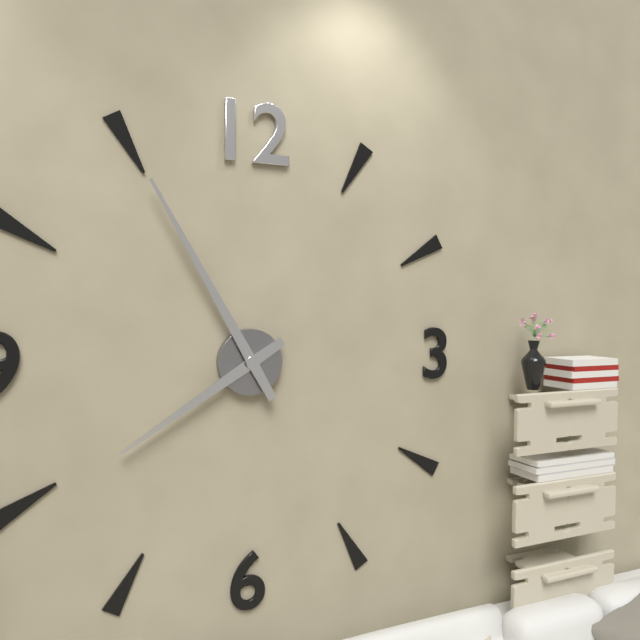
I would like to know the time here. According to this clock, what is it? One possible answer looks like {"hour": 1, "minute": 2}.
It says {"hour": 7, "minute": 55}
